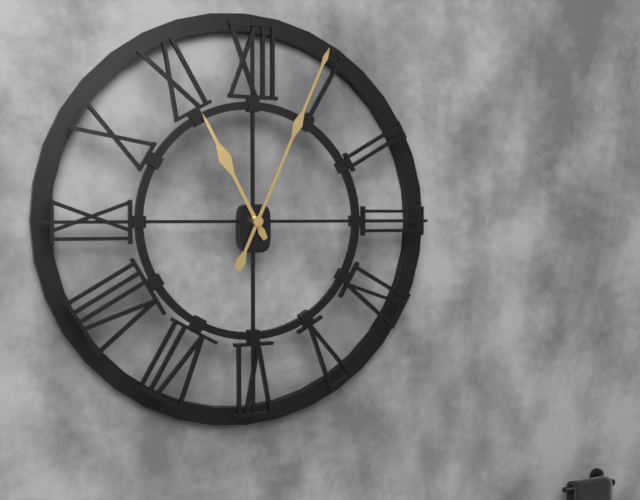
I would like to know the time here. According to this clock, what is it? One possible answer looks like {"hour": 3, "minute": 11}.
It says {"hour": 11, "minute": 4}
